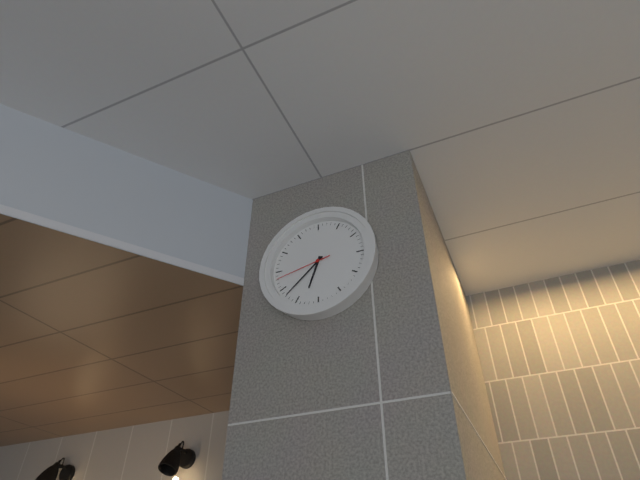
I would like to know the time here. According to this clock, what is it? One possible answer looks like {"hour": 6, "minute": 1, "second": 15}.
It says {"hour": 6, "minute": 38, "second": 43}
